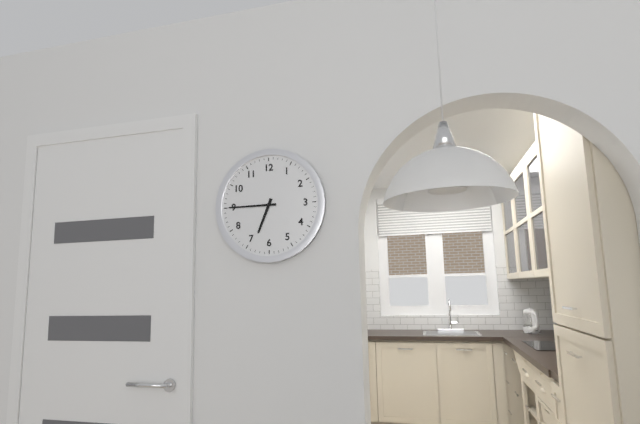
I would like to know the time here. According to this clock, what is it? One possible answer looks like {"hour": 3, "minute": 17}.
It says {"hour": 6, "minute": 45}
